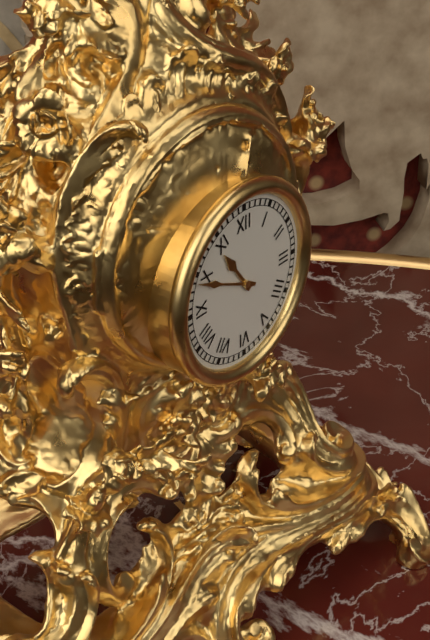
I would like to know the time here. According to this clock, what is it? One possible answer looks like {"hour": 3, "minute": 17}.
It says {"hour": 10, "minute": 49}
